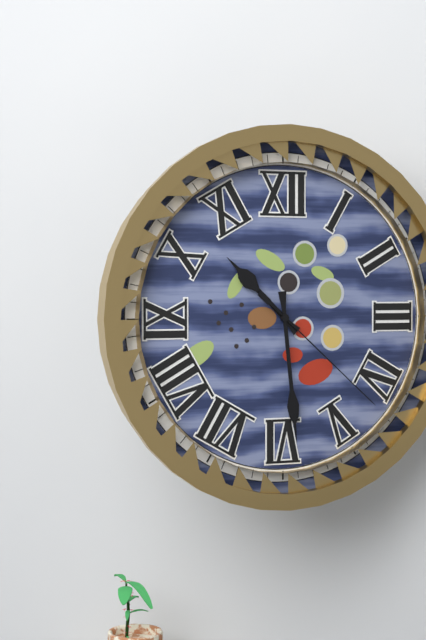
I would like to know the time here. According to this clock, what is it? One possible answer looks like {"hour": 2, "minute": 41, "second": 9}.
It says {"hour": 10, "minute": 29, "second": 22}
